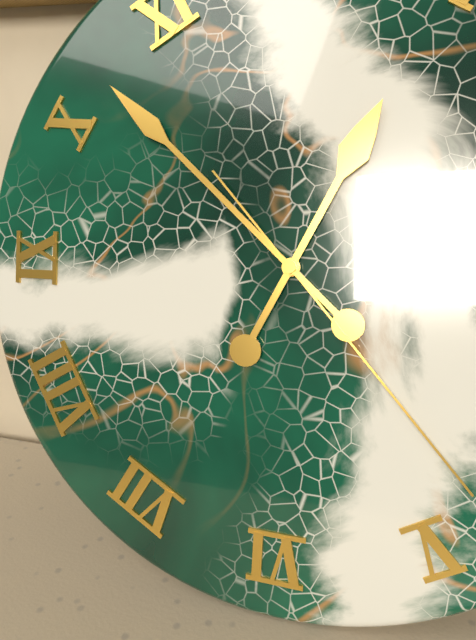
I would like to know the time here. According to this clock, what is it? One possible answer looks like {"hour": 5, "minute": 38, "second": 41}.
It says {"hour": 12, "minute": 52, "second": 23}
